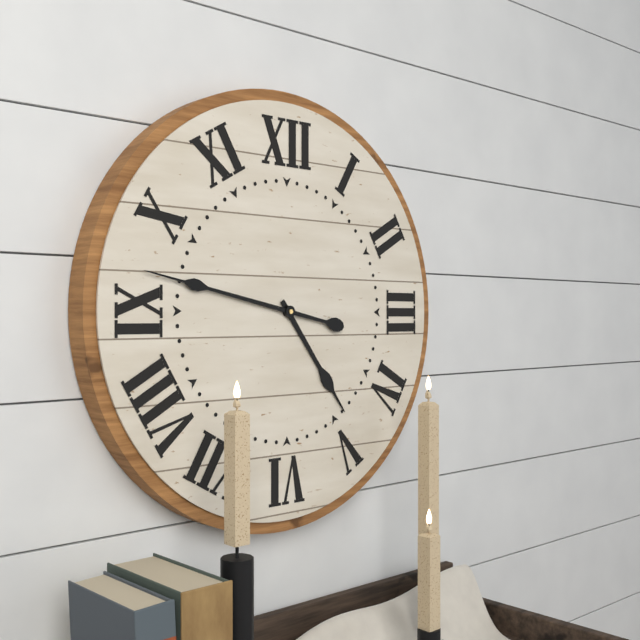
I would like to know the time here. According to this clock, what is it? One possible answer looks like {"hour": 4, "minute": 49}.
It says {"hour": 4, "minute": 47}
